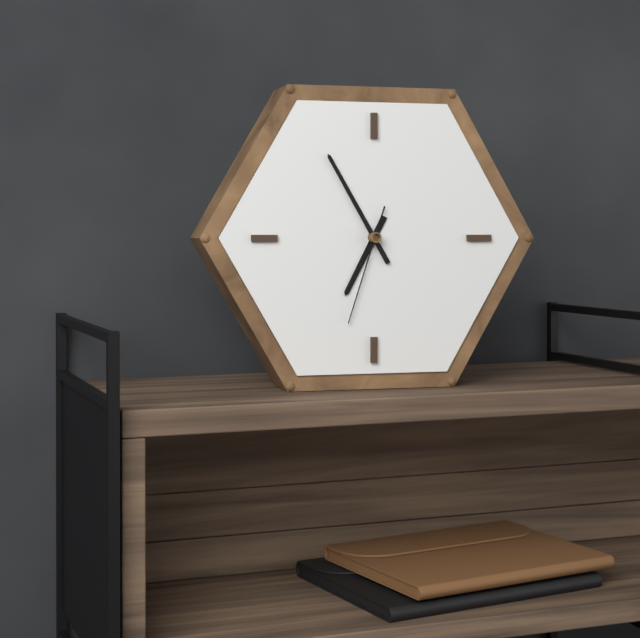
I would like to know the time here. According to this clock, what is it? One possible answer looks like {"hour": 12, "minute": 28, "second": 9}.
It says {"hour": 6, "minute": 55, "second": 33}
